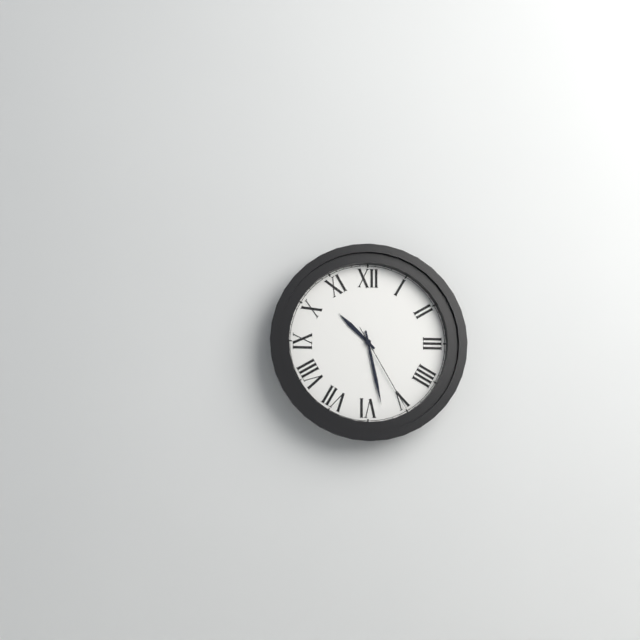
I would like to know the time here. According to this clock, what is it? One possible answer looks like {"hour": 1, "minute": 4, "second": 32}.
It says {"hour": 10, "minute": 28, "second": 25}
